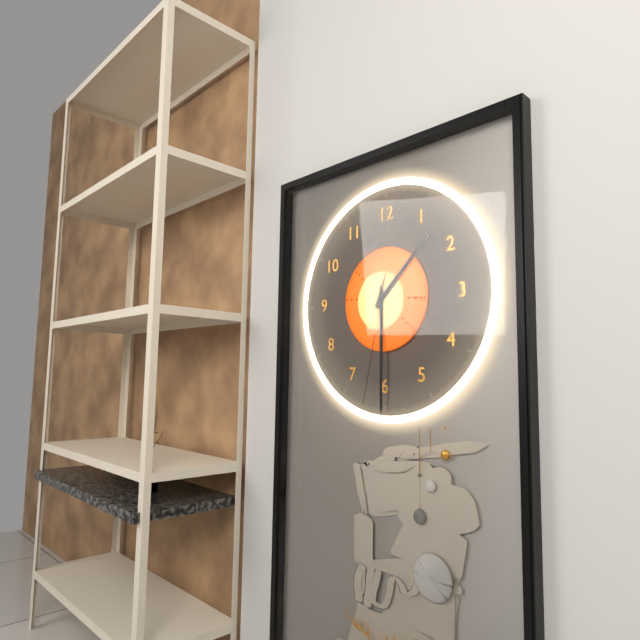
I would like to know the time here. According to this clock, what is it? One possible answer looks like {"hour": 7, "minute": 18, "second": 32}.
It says {"hour": 1, "minute": 30, "second": 32}
